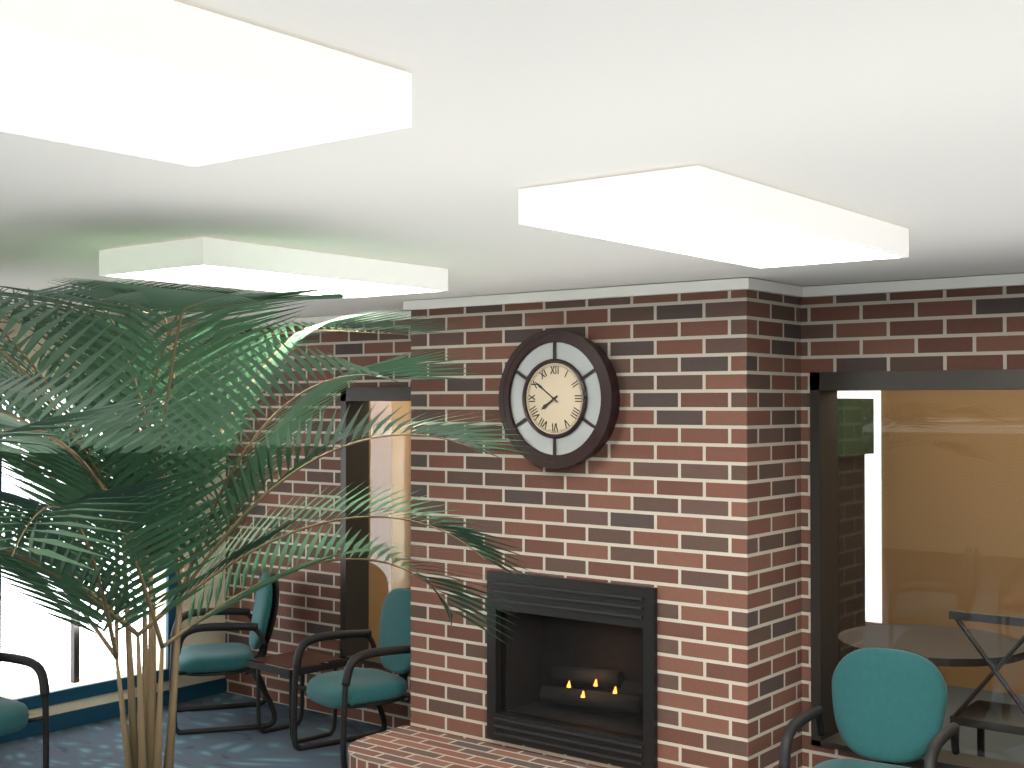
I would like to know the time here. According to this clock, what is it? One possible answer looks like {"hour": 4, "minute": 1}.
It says {"hour": 7, "minute": 51}
